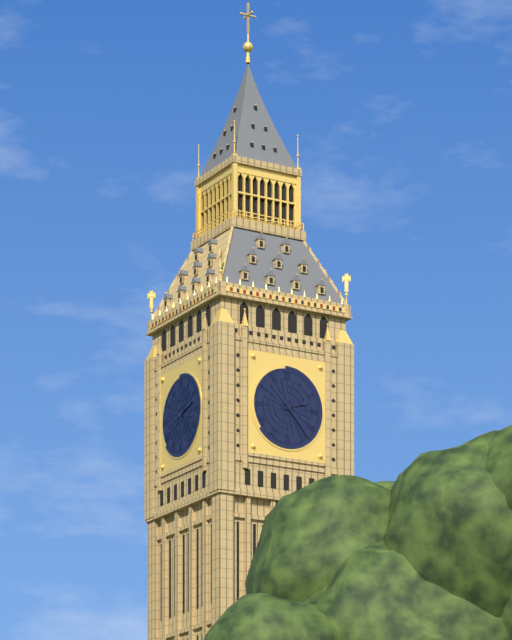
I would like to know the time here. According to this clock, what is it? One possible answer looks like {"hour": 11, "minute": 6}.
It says {"hour": 2, "minute": 23}
